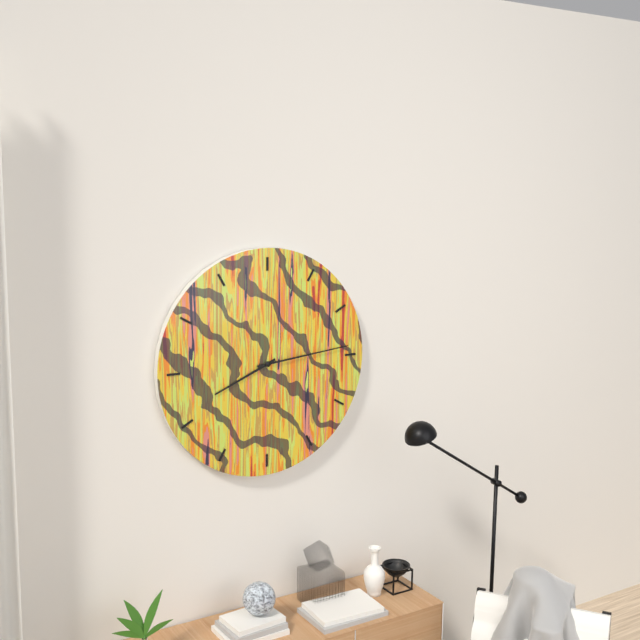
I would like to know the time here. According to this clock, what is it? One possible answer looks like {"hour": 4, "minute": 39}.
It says {"hour": 8, "minute": 14}
